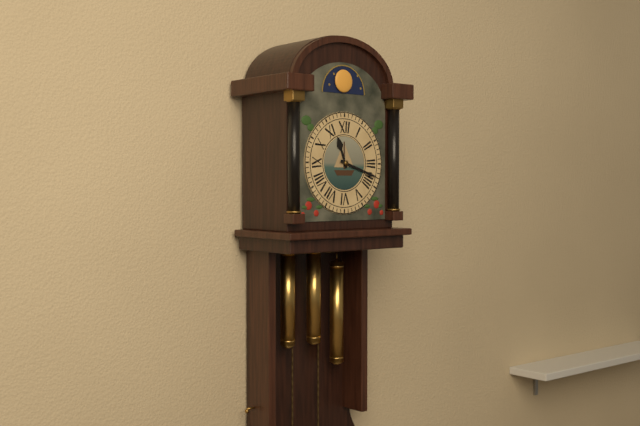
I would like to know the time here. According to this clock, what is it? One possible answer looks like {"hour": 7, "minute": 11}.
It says {"hour": 11, "minute": 18}
